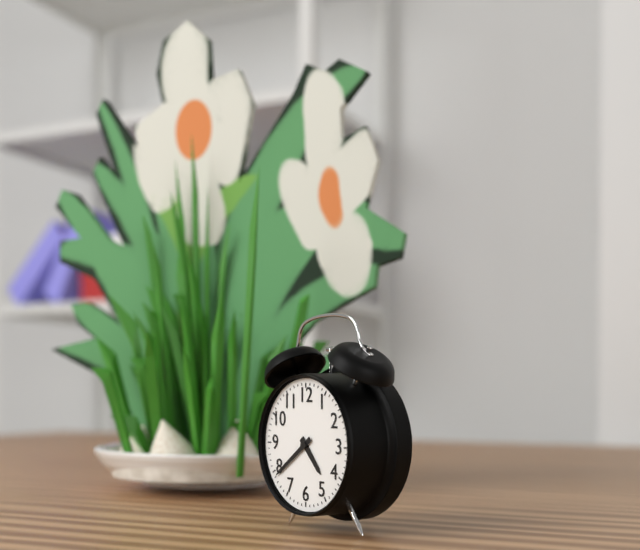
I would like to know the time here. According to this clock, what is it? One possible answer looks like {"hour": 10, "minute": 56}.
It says {"hour": 4, "minute": 39}
